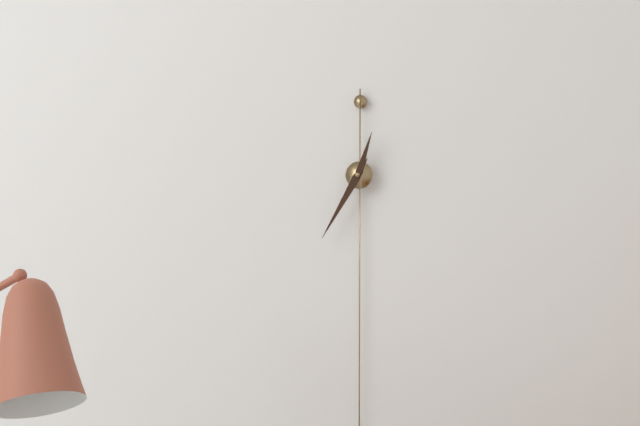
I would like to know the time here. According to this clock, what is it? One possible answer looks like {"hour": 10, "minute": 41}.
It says {"hour": 12, "minute": 35}
